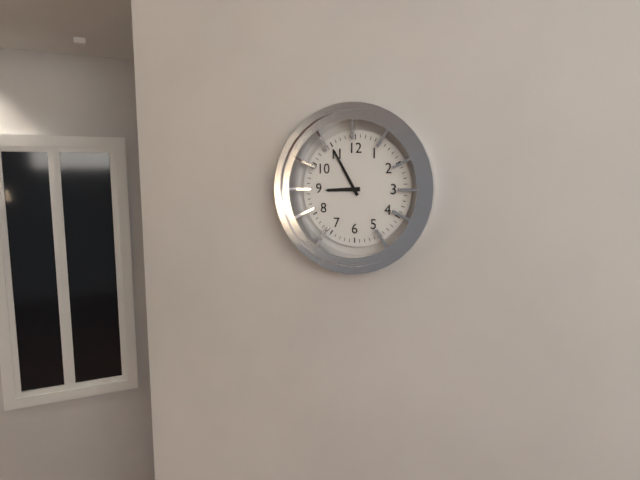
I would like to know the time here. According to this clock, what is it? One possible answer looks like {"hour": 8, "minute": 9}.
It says {"hour": 8, "minute": 55}
